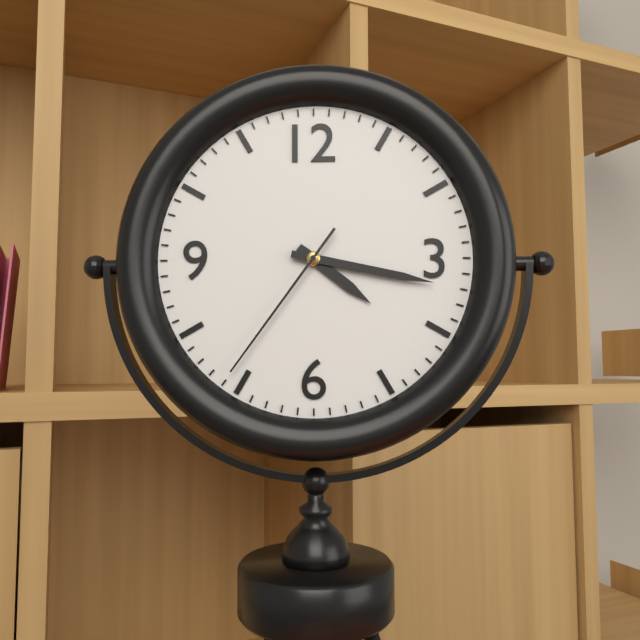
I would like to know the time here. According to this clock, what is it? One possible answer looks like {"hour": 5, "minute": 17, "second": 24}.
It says {"hour": 4, "minute": 17, "second": 36}
